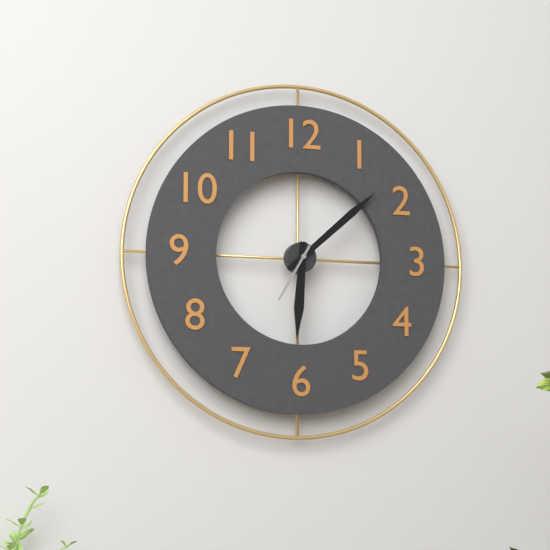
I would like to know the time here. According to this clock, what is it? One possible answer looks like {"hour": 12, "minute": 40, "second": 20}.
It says {"hour": 6, "minute": 8, "second": 35}
